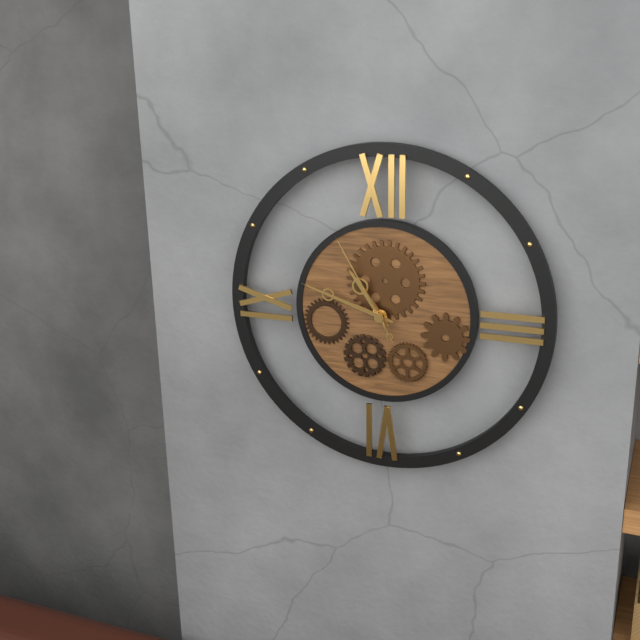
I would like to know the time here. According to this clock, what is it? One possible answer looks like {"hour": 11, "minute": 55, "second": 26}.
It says {"hour": 10, "minute": 48, "second": 55}
